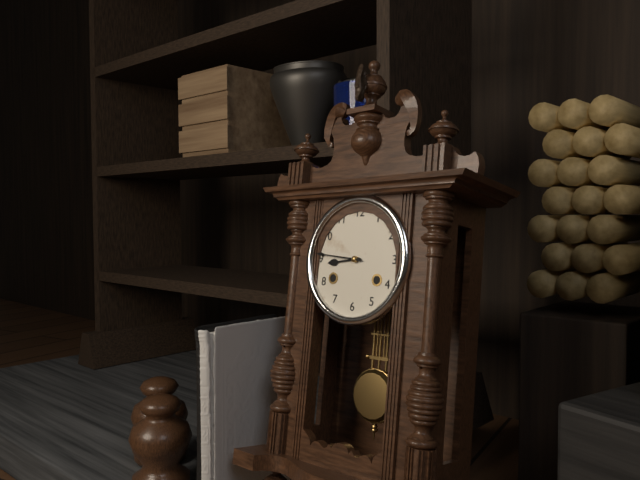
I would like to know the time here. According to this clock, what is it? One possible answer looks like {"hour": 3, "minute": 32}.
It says {"hour": 8, "minute": 46}
